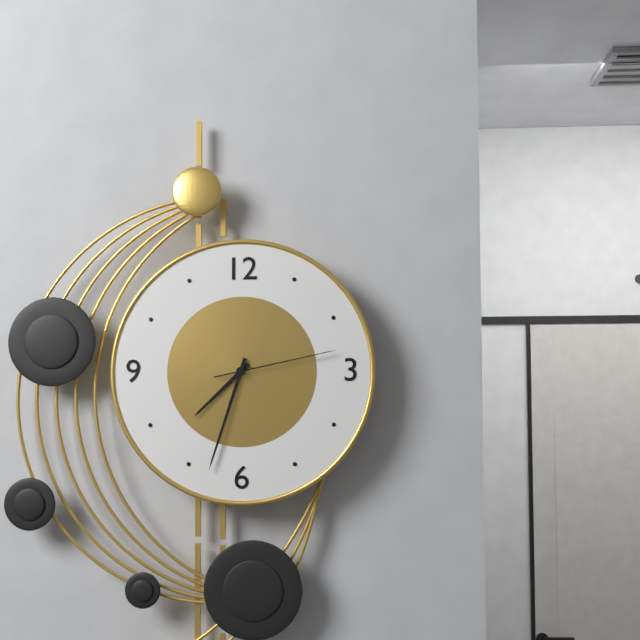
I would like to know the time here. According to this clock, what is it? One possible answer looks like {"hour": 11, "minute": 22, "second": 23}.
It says {"hour": 7, "minute": 33, "second": 13}
